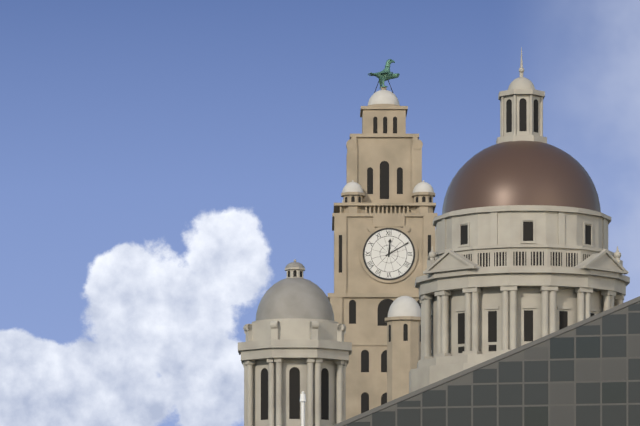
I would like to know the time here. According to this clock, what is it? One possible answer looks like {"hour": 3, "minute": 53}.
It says {"hour": 12, "minute": 10}
